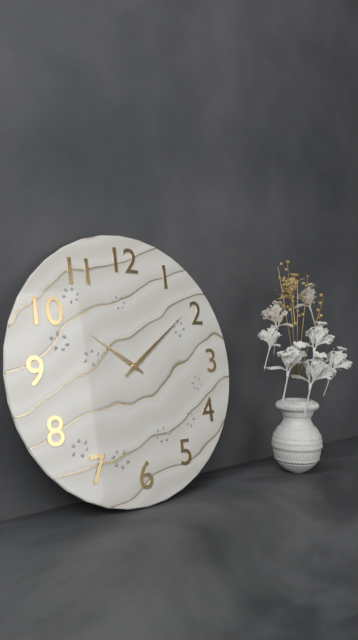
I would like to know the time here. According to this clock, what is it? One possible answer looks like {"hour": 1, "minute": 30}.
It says {"hour": 10, "minute": 9}
